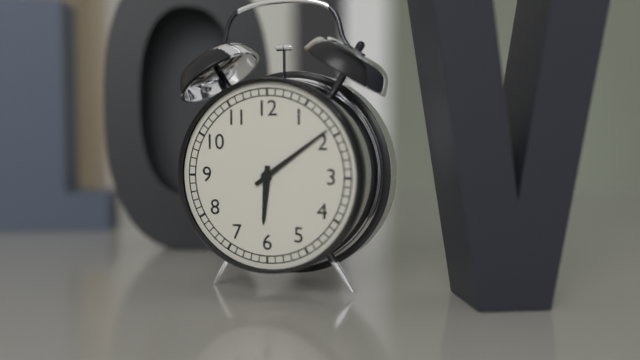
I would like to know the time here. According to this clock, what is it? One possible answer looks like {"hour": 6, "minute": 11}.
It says {"hour": 6, "minute": 9}
